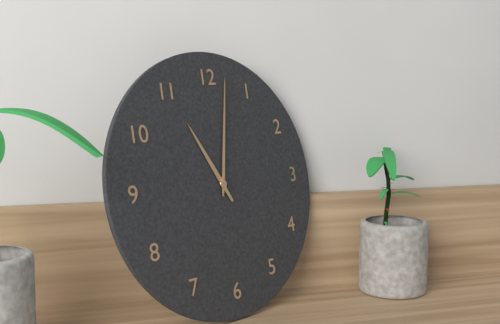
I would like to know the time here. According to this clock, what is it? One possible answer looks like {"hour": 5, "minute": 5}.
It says {"hour": 11, "minute": 2}
